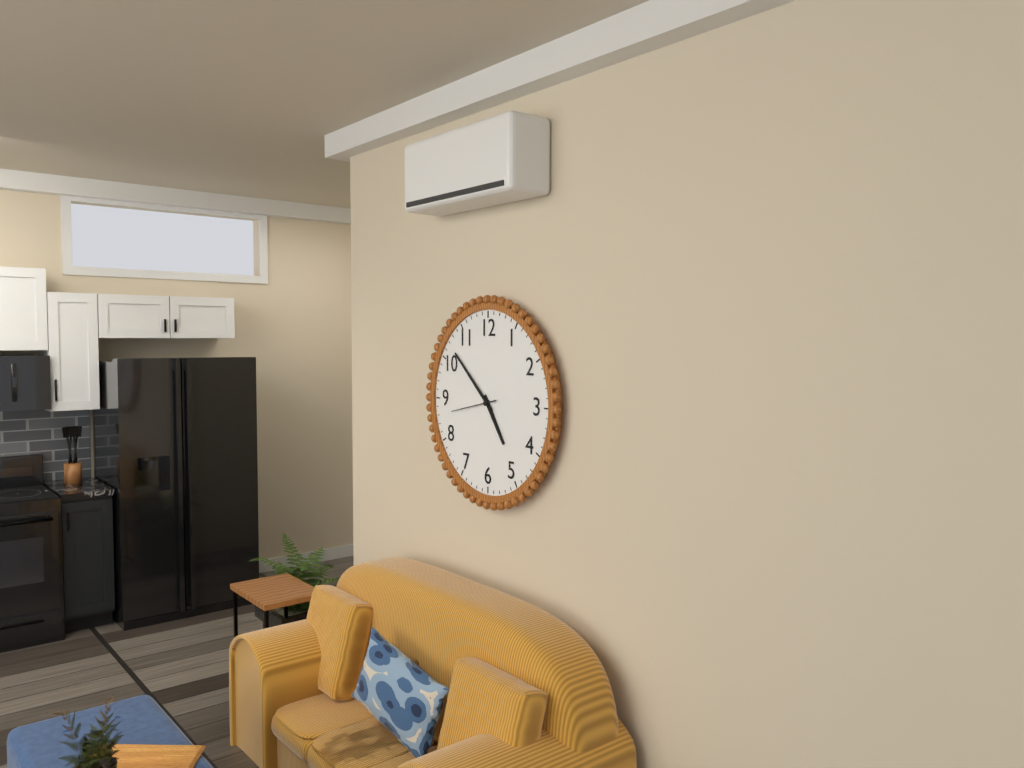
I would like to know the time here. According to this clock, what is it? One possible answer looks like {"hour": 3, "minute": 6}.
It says {"hour": 4, "minute": 52}
